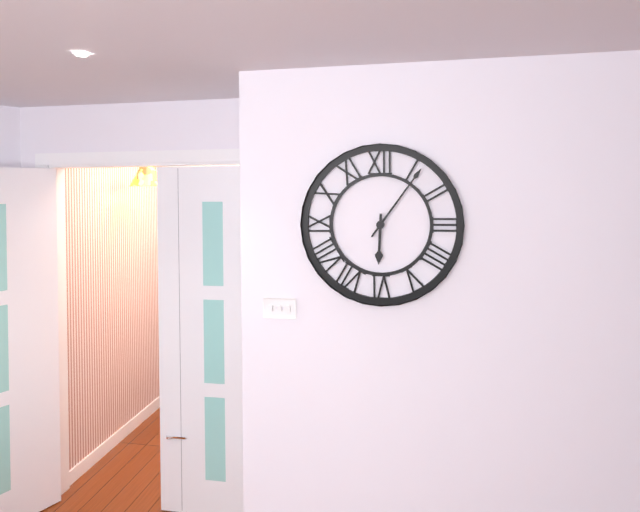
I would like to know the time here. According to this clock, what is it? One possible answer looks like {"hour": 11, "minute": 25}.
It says {"hour": 6, "minute": 6}
